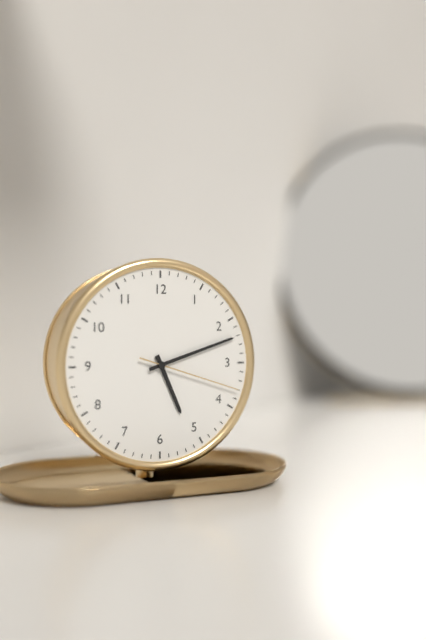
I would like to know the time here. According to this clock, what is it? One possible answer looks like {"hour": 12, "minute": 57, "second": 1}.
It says {"hour": 5, "minute": 12, "second": 18}
